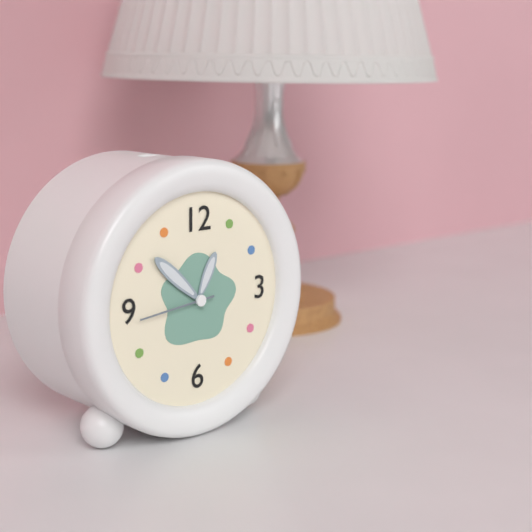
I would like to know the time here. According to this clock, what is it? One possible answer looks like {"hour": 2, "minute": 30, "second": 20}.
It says {"hour": 12, "minute": 52, "second": 44}
